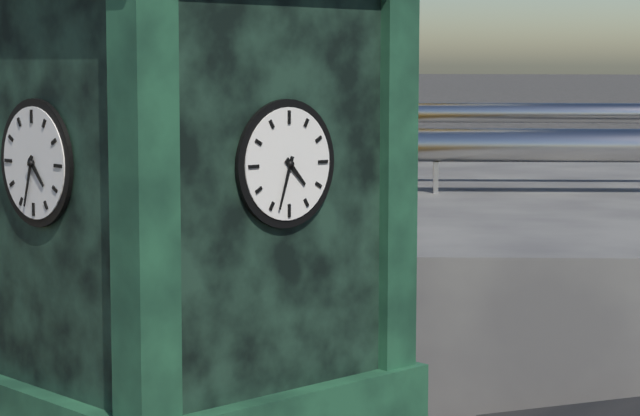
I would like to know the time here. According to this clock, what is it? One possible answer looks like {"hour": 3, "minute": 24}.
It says {"hour": 4, "minute": 33}
